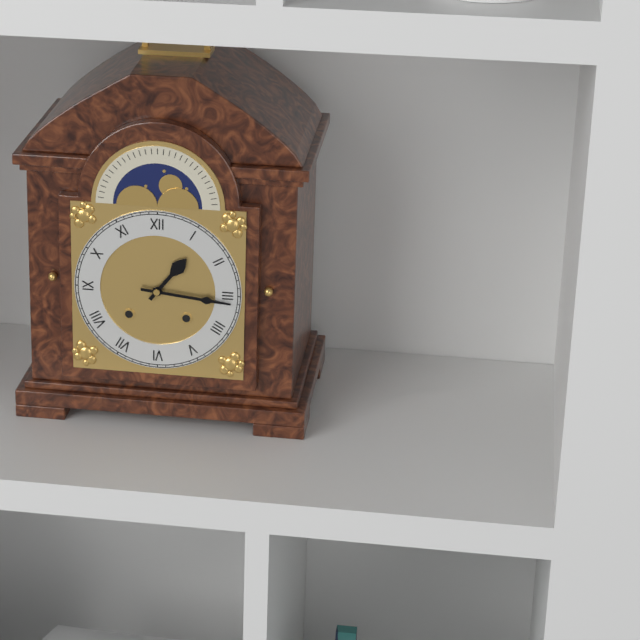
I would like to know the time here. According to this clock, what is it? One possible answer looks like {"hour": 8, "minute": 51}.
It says {"hour": 1, "minute": 16}
